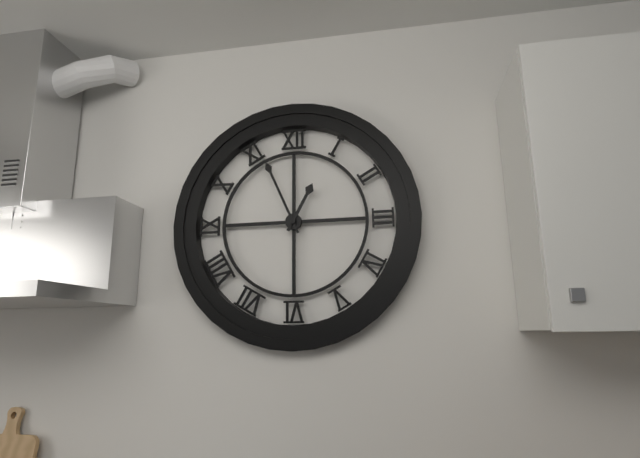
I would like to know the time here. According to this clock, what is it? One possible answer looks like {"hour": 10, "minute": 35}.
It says {"hour": 12, "minute": 56}
